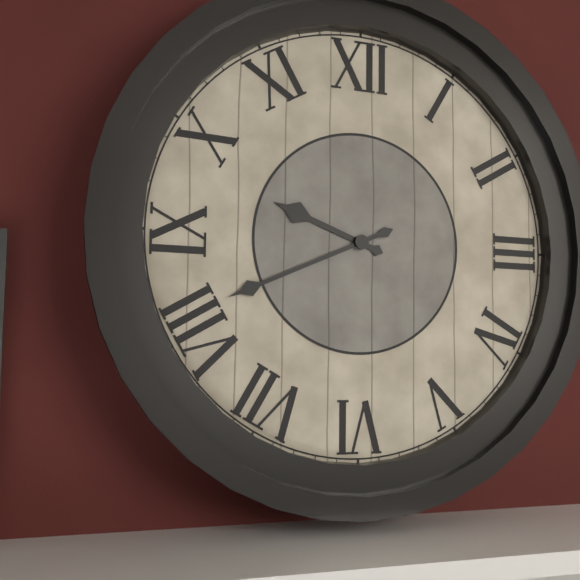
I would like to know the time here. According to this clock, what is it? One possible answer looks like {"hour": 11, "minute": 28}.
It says {"hour": 9, "minute": 41}
